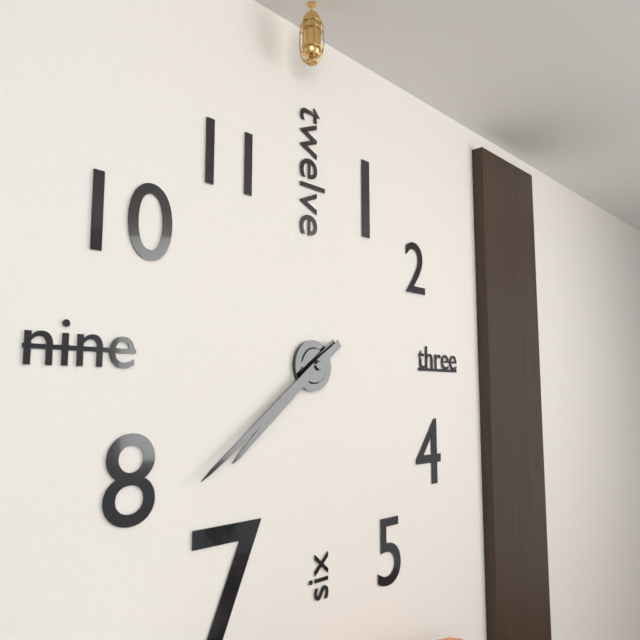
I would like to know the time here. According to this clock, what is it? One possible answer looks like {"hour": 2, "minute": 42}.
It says {"hour": 7, "minute": 39}
